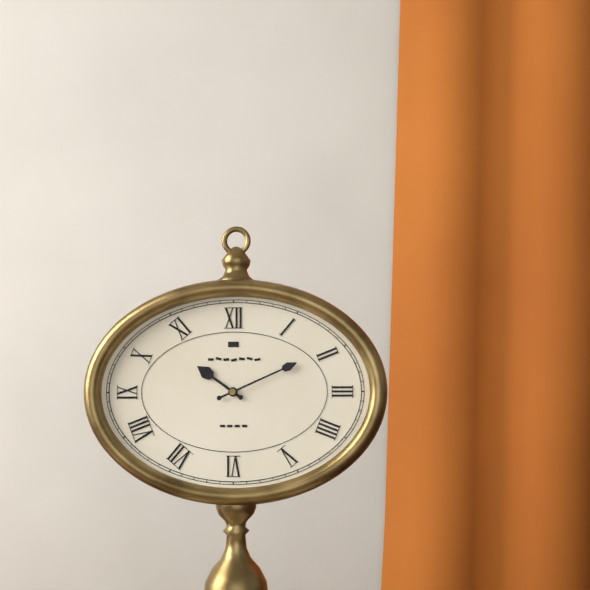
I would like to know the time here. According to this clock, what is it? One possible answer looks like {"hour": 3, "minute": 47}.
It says {"hour": 10, "minute": 11}
